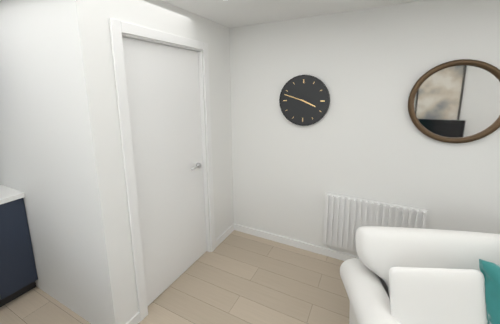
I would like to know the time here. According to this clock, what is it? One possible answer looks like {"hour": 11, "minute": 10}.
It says {"hour": 3, "minute": 48}
